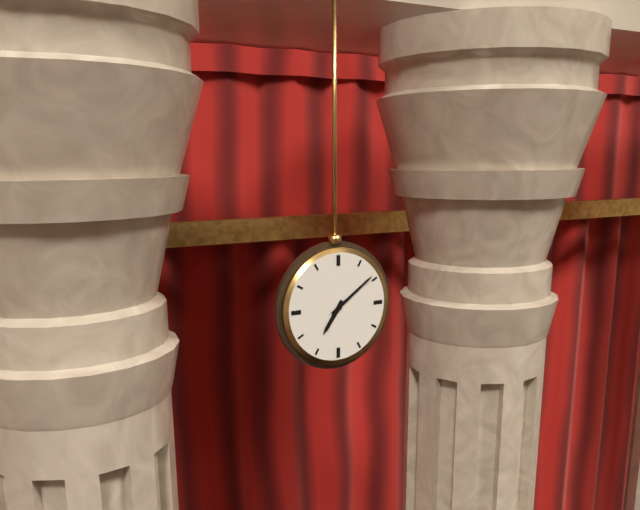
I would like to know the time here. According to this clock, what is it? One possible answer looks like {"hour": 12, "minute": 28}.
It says {"hour": 7, "minute": 9}
